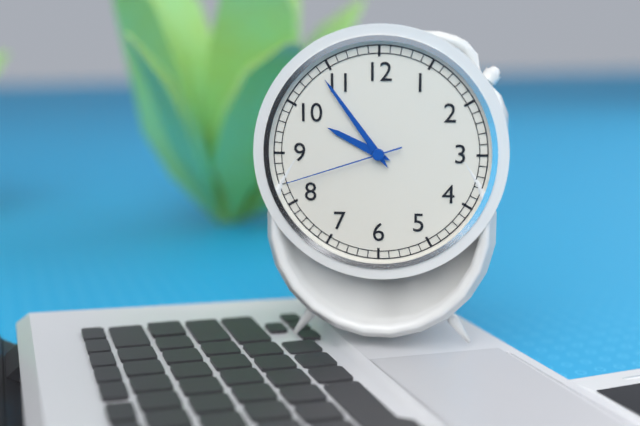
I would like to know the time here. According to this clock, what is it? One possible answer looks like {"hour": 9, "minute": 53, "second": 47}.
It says {"hour": 9, "minute": 54, "second": 42}
